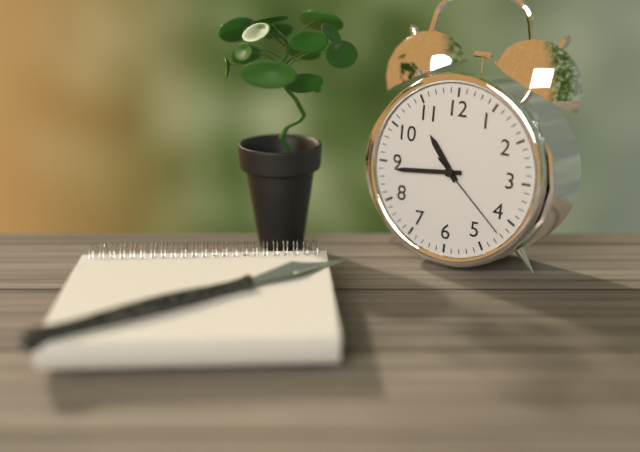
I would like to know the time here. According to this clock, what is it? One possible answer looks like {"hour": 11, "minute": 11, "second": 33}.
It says {"hour": 10, "minute": 44, "second": 22}
